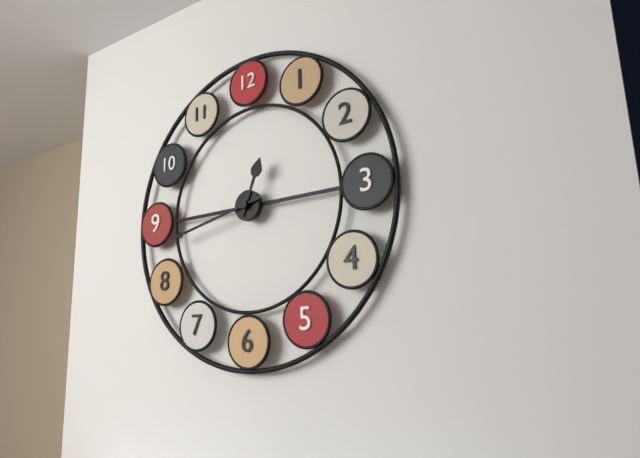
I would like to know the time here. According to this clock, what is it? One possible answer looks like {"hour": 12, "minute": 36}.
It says {"hour": 12, "minute": 43}
